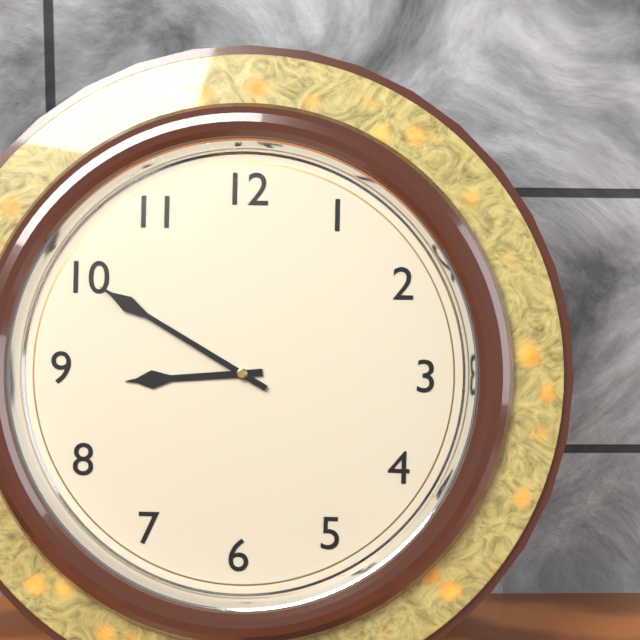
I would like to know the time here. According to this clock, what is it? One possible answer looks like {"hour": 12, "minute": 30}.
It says {"hour": 8, "minute": 50}
